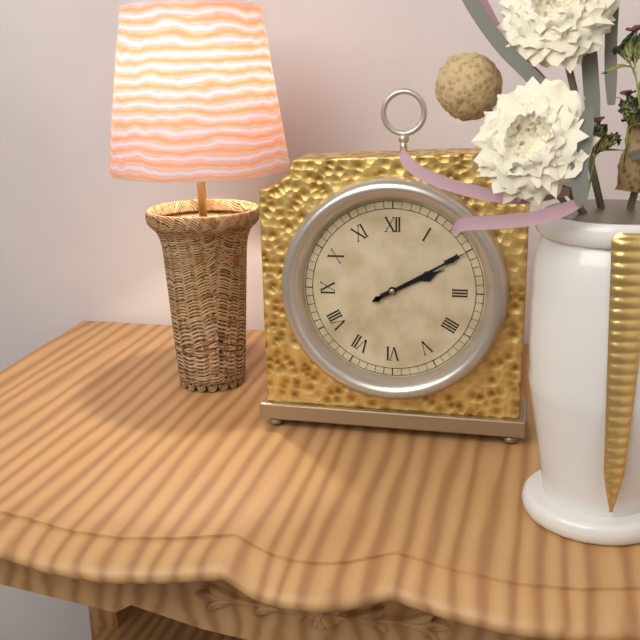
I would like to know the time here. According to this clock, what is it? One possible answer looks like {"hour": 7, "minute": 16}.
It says {"hour": 2, "minute": 10}
